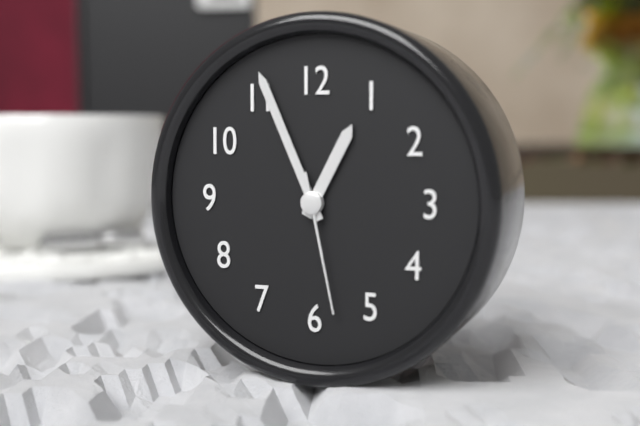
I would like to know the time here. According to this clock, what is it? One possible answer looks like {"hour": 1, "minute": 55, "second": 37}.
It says {"hour": 12, "minute": 56, "second": 28}
